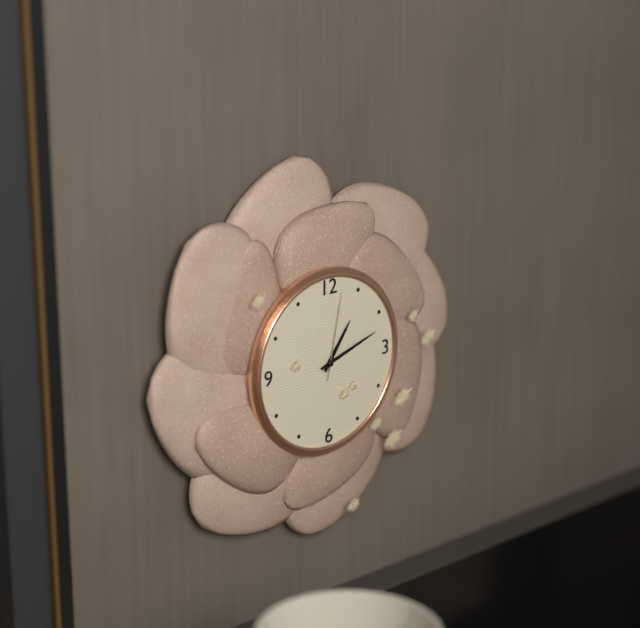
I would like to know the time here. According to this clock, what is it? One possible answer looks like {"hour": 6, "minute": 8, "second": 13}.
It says {"hour": 1, "minute": 12, "second": 2}
